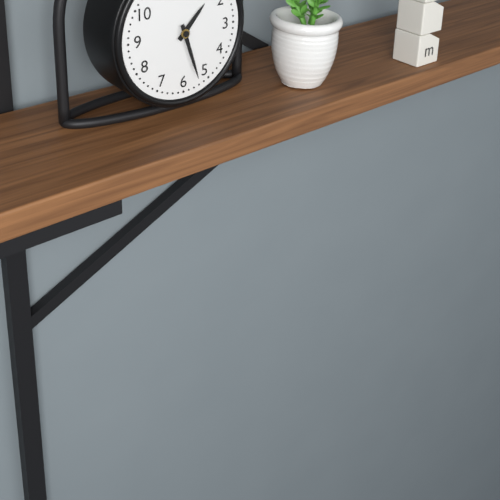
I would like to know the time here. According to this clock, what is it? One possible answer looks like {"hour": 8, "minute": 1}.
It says {"hour": 1, "minute": 27}
